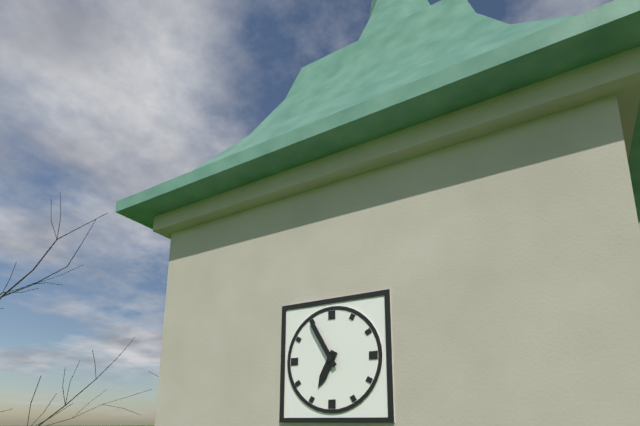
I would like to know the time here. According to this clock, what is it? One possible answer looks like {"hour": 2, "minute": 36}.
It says {"hour": 6, "minute": 55}
